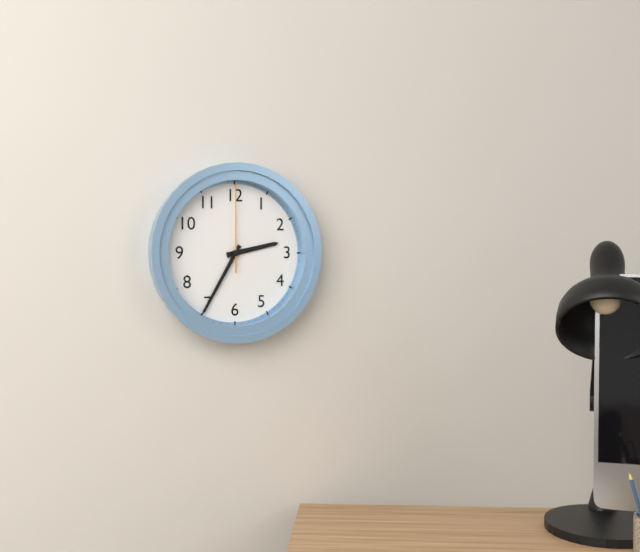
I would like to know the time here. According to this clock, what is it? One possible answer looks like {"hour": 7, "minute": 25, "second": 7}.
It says {"hour": 2, "minute": 35, "second": 0}
